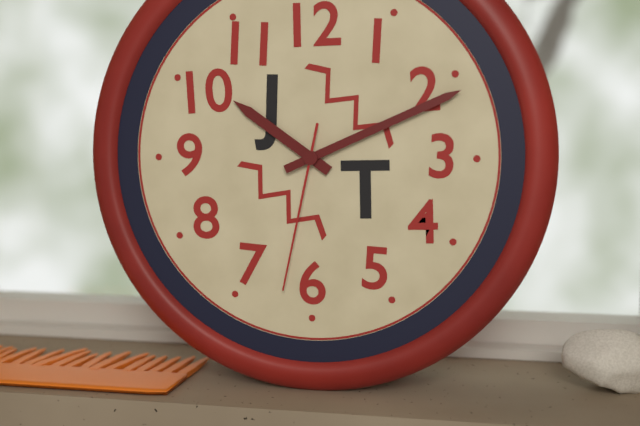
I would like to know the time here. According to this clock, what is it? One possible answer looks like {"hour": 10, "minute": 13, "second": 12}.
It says {"hour": 10, "minute": 11, "second": 32}
